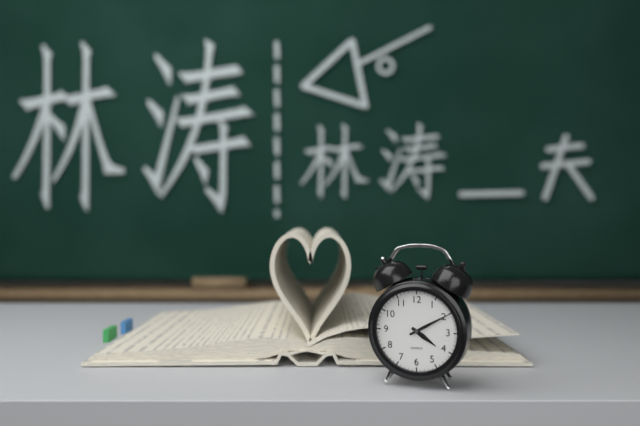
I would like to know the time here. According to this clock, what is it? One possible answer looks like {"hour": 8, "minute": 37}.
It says {"hour": 4, "minute": 10}
